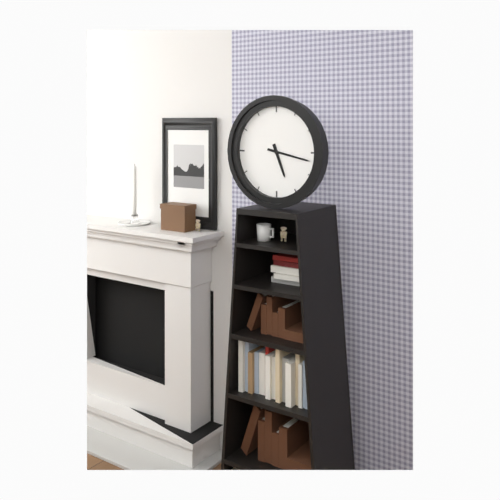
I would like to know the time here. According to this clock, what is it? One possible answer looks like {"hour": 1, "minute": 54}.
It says {"hour": 5, "minute": 17}
